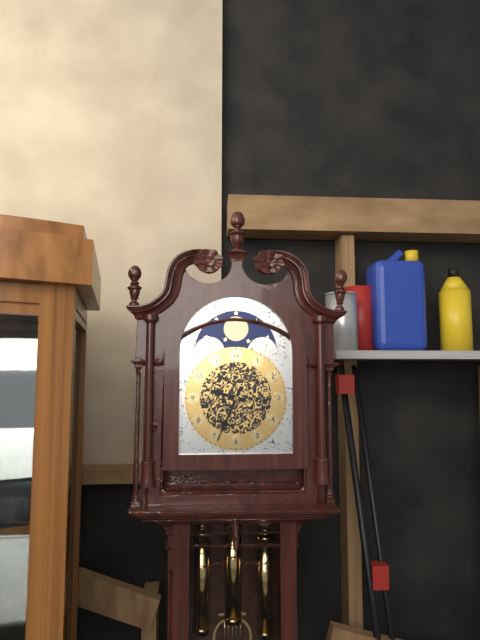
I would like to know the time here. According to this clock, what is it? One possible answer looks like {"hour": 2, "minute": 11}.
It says {"hour": 9, "minute": 34}
